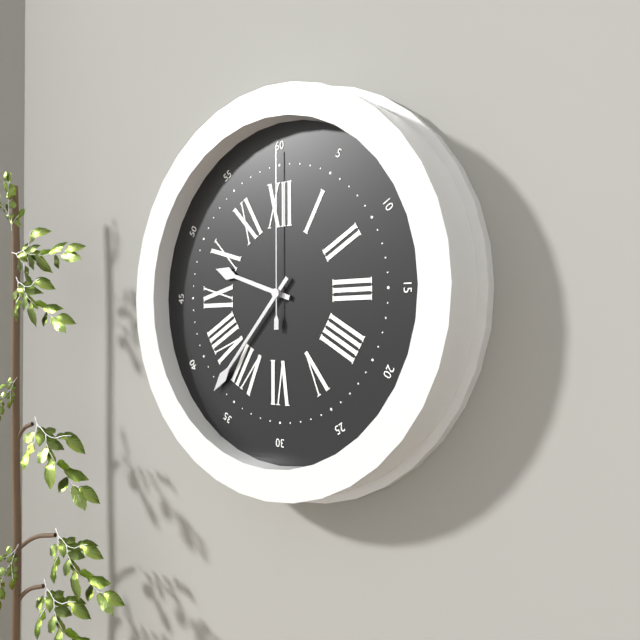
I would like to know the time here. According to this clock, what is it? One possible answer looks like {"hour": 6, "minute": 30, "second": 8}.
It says {"hour": 9, "minute": 37, "second": 0}
